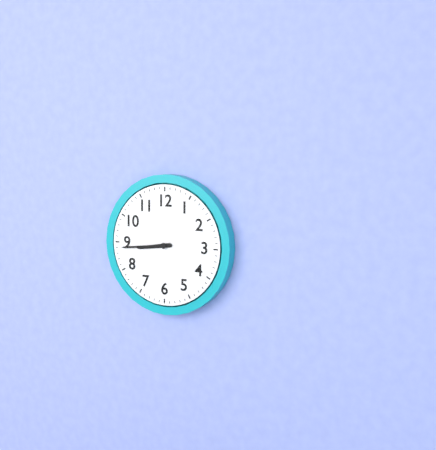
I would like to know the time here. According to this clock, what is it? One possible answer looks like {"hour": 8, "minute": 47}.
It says {"hour": 8, "minute": 44}
